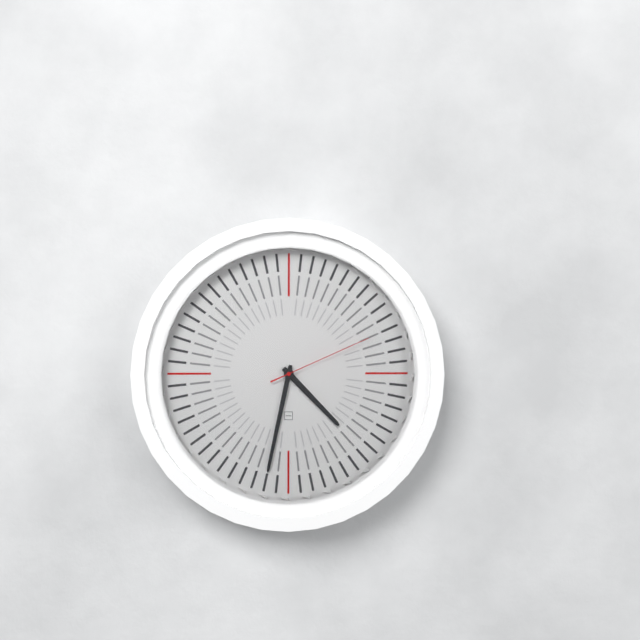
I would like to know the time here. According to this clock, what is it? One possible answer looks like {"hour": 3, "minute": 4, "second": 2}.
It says {"hour": 4, "minute": 32, "second": 11}
